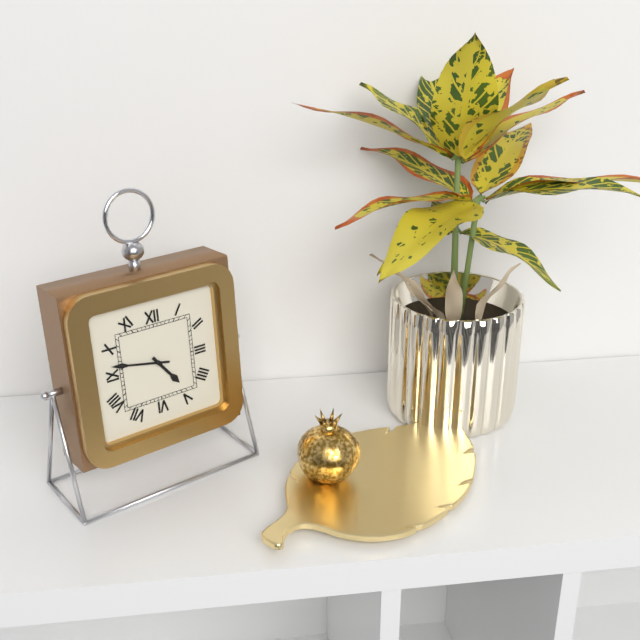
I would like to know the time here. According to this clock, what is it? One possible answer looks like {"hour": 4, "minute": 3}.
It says {"hour": 4, "minute": 47}
